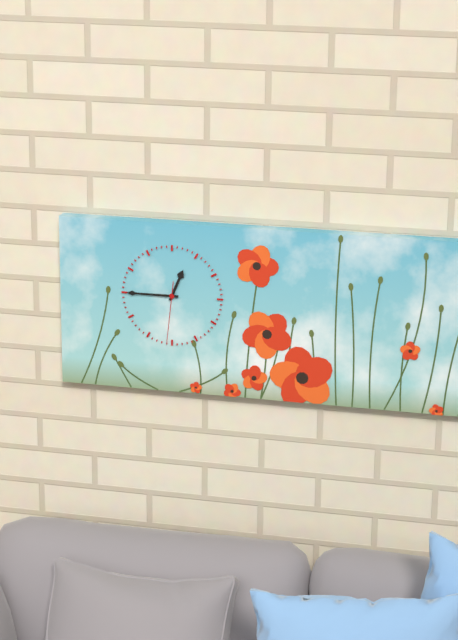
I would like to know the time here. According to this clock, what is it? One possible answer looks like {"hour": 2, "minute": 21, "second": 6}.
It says {"hour": 12, "minute": 45, "second": 31}
